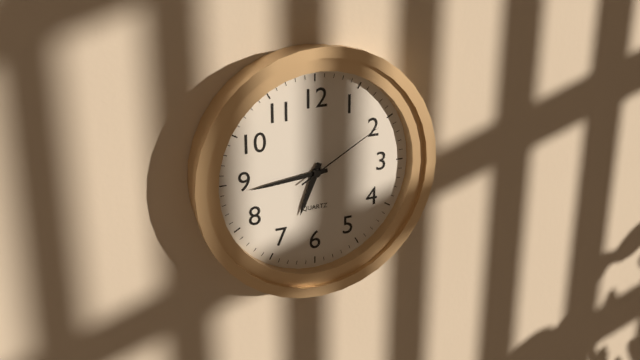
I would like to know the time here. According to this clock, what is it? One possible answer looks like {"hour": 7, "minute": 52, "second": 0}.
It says {"hour": 6, "minute": 44, "second": 10}
